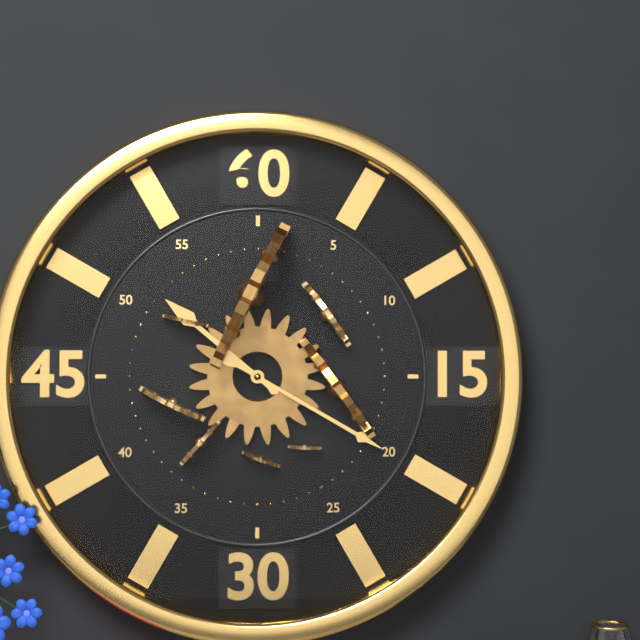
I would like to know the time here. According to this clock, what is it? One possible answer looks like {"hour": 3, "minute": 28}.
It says {"hour": 10, "minute": 20}
